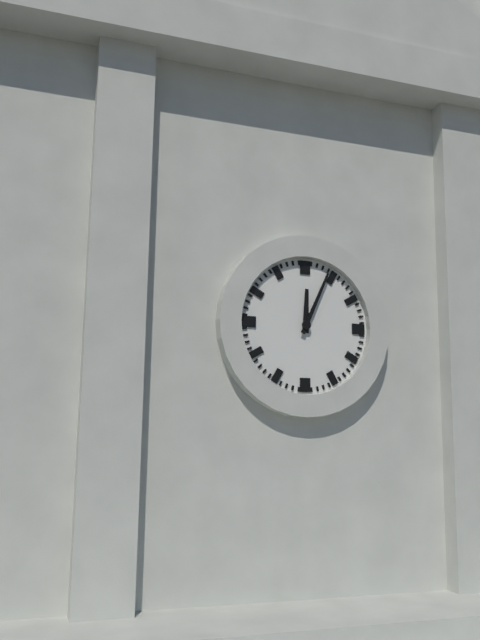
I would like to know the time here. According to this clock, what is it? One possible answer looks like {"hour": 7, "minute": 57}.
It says {"hour": 12, "minute": 4}
